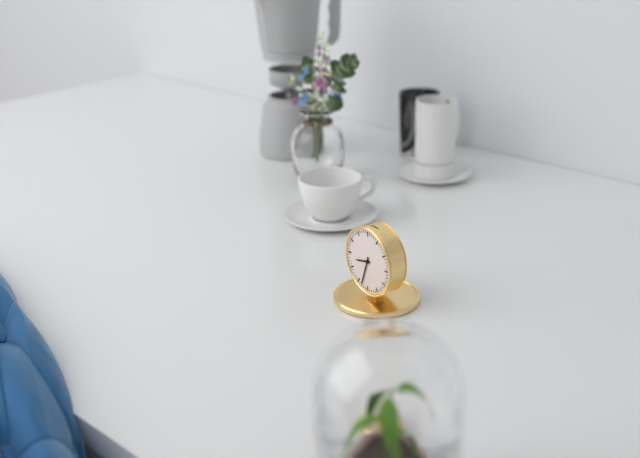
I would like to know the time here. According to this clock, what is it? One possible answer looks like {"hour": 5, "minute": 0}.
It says {"hour": 8, "minute": 33}
